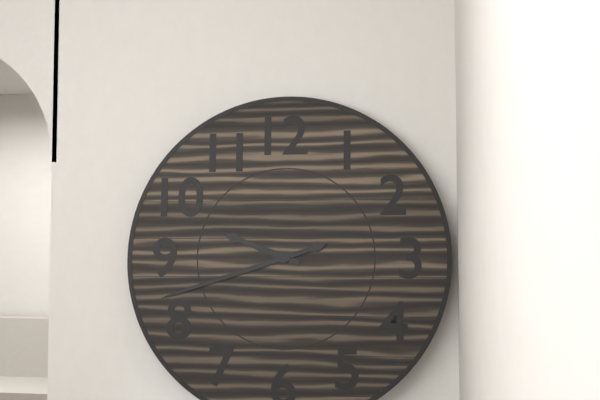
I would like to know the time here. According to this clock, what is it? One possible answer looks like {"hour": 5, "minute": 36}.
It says {"hour": 9, "minute": 42}
